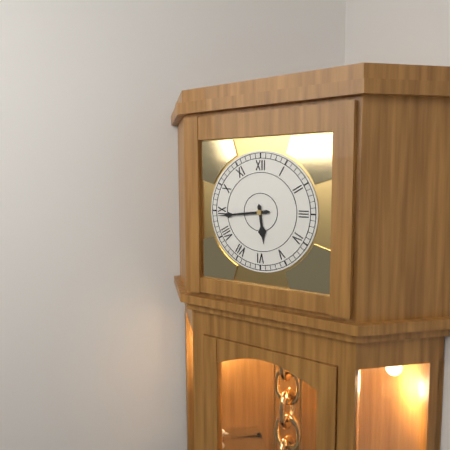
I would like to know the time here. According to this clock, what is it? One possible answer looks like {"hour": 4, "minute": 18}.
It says {"hour": 5, "minute": 44}
